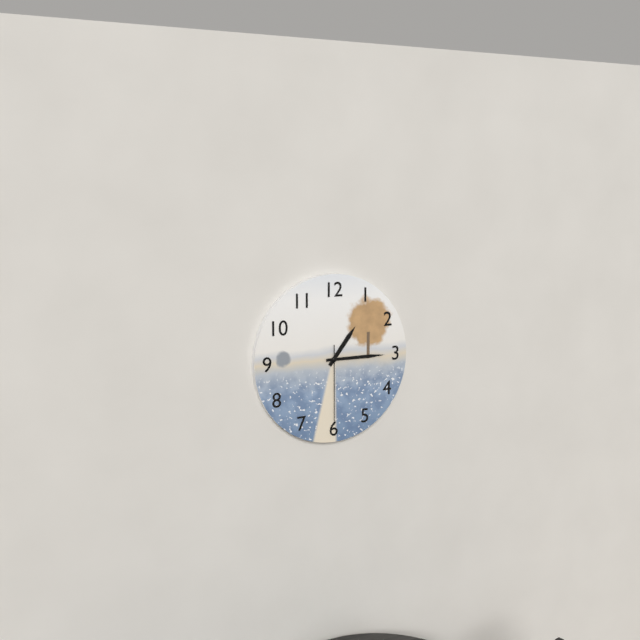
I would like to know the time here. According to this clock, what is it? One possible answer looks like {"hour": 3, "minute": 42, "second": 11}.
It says {"hour": 1, "minute": 15, "second": 30}
